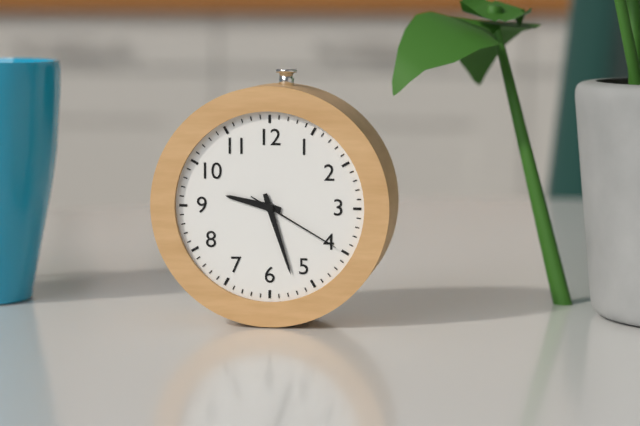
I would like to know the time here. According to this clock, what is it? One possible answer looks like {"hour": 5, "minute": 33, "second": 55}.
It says {"hour": 9, "minute": 27, "second": 20}
